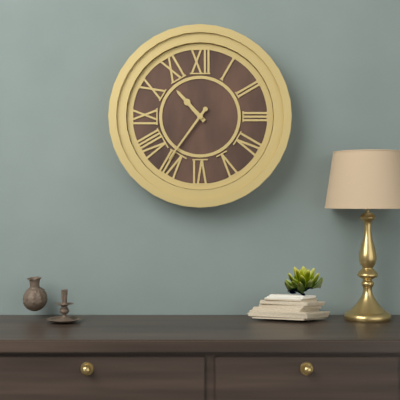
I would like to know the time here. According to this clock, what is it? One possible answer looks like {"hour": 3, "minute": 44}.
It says {"hour": 10, "minute": 36}
